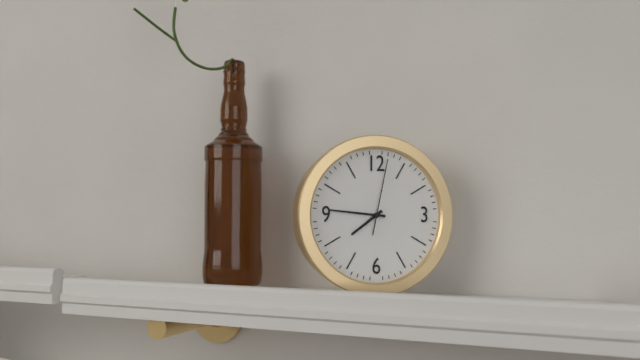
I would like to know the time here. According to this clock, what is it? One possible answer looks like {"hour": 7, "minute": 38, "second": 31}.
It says {"hour": 7, "minute": 46, "second": 2}
